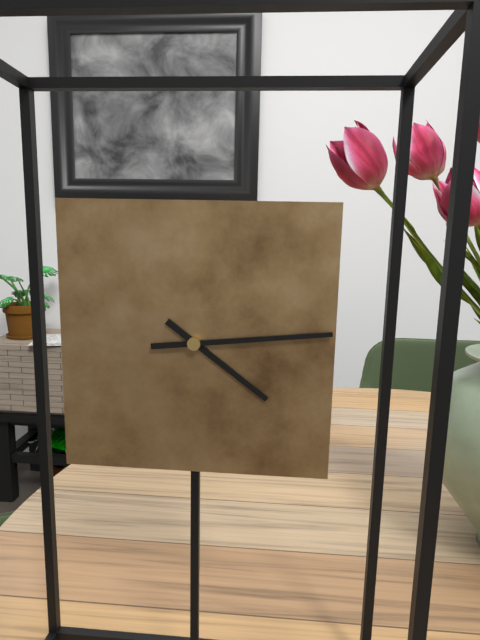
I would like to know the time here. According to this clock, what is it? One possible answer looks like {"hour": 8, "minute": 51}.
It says {"hour": 4, "minute": 14}
